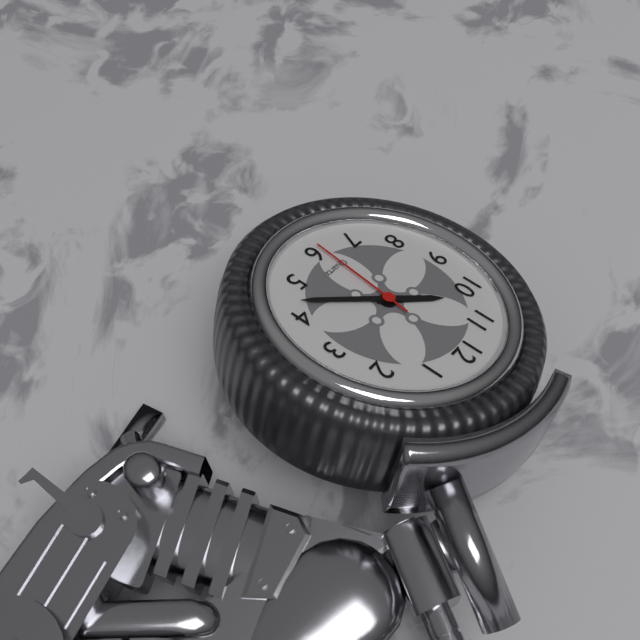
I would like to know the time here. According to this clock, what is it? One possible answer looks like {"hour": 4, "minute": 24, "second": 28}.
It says {"hour": 10, "minute": 22, "second": 31}
